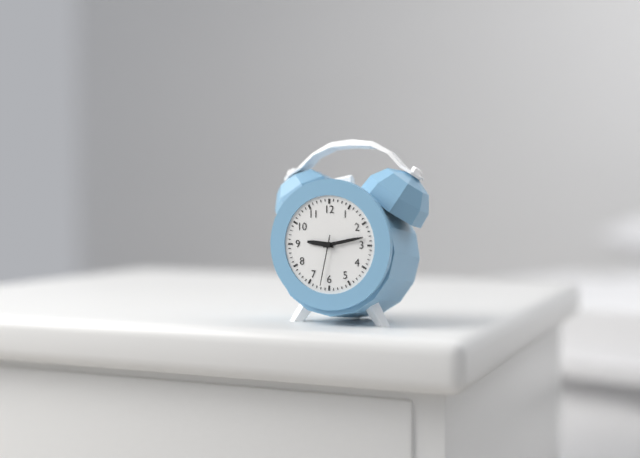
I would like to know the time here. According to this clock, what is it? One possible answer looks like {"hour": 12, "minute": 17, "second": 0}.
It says {"hour": 9, "minute": 13, "second": 32}
